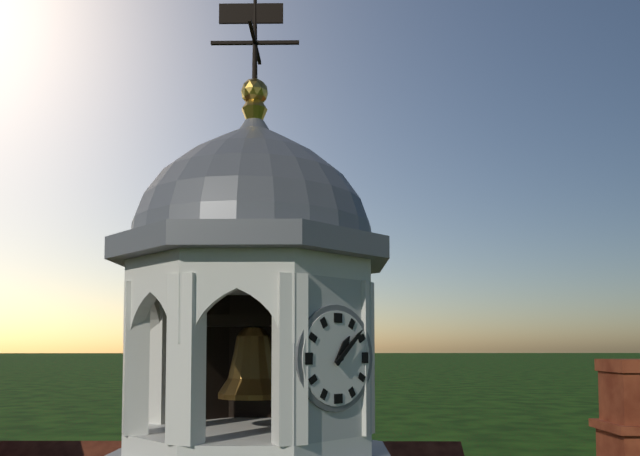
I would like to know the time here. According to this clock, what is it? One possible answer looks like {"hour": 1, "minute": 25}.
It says {"hour": 1, "minute": 8}
